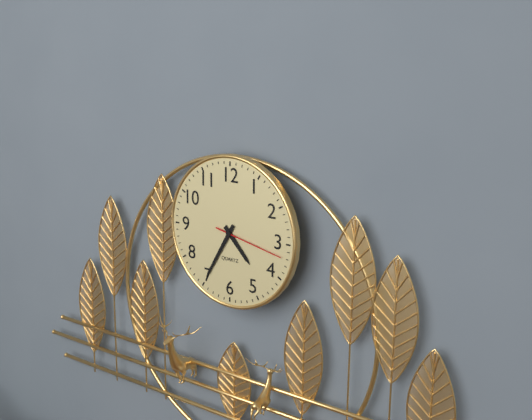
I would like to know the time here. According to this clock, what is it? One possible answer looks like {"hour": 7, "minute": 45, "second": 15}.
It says {"hour": 4, "minute": 35, "second": 17}
